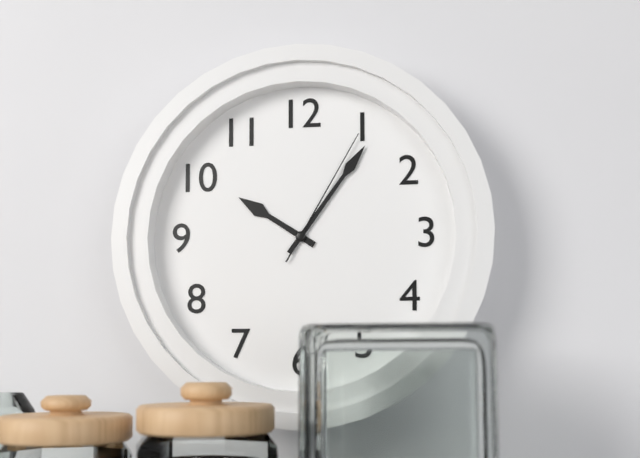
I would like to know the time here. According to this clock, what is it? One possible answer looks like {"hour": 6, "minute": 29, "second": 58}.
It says {"hour": 10, "minute": 6, "second": 5}
